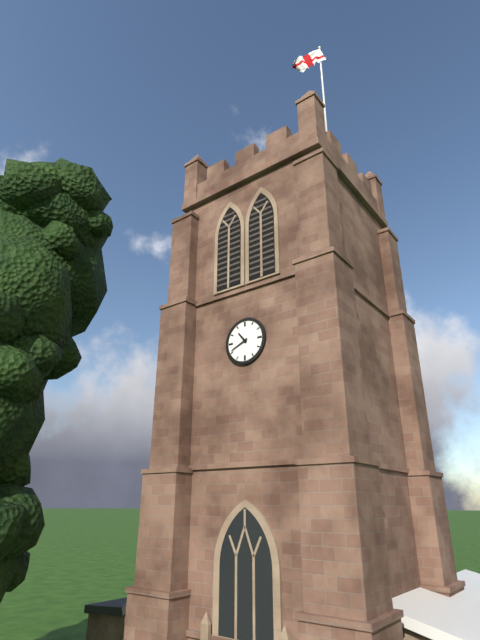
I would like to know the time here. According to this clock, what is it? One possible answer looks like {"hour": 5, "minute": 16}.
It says {"hour": 10, "minute": 41}
